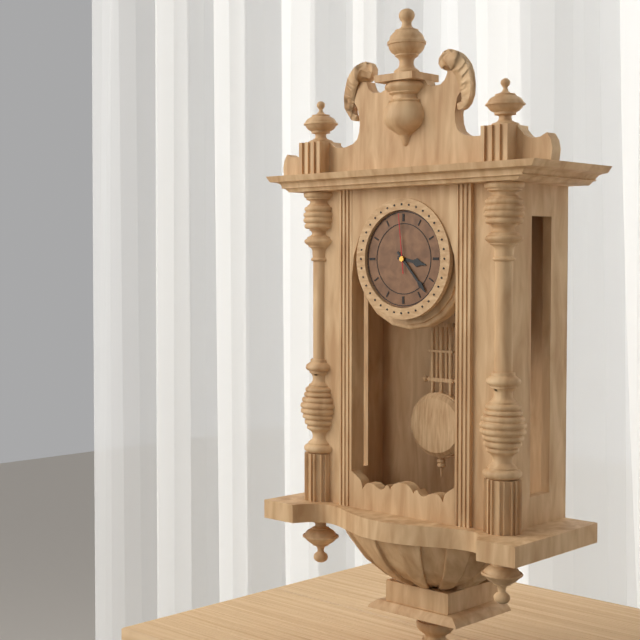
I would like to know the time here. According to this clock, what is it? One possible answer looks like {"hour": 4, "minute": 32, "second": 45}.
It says {"hour": 3, "minute": 23, "second": 59}
